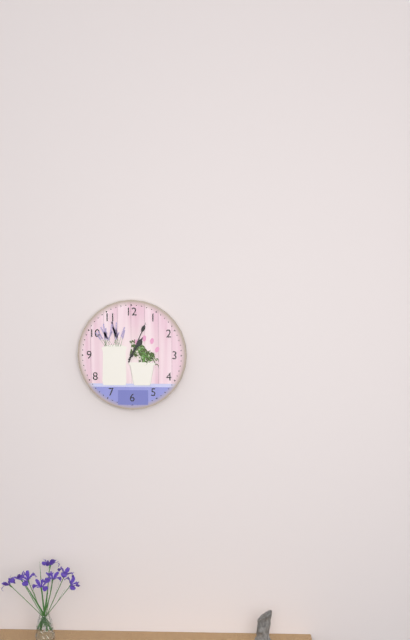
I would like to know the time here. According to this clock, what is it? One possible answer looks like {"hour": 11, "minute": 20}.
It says {"hour": 1, "minute": 4}
